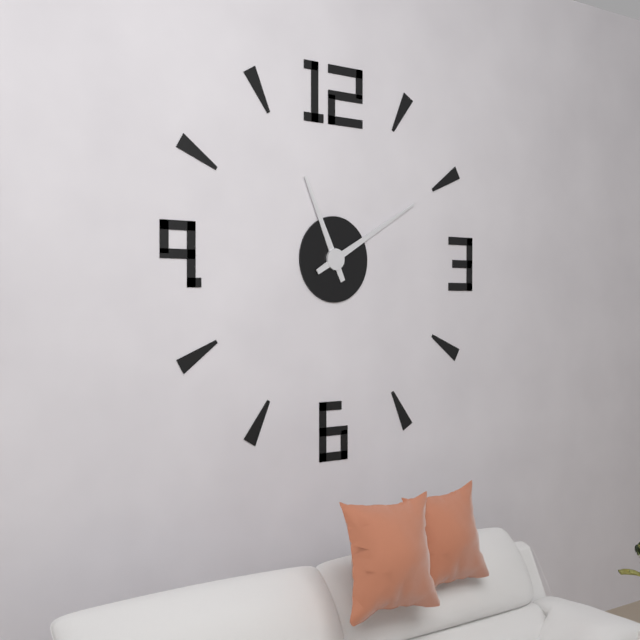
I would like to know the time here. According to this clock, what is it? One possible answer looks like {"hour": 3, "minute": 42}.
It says {"hour": 11, "minute": 10}
